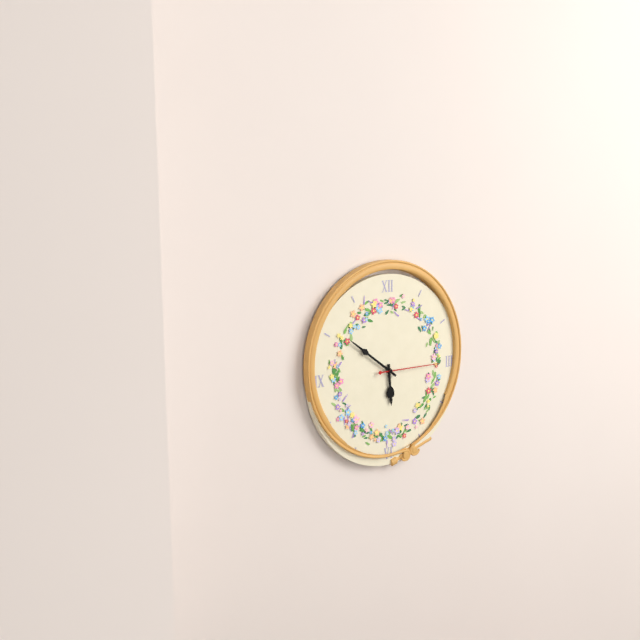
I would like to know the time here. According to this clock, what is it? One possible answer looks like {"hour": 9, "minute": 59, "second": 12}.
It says {"hour": 5, "minute": 51, "second": 15}
